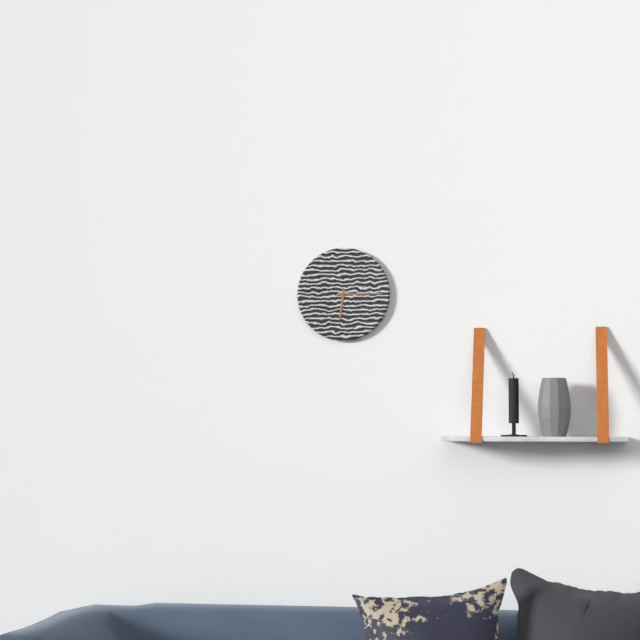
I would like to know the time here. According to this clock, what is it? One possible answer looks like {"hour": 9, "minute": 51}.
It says {"hour": 6, "minute": 15}
